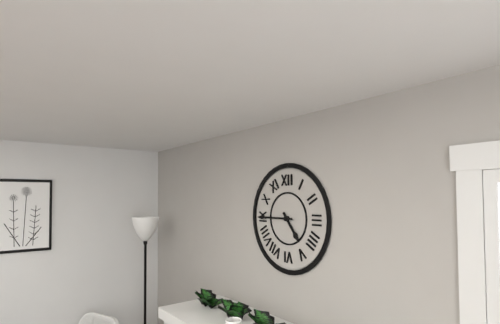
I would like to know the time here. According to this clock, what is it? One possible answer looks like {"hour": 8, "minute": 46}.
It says {"hour": 4, "minute": 45}
